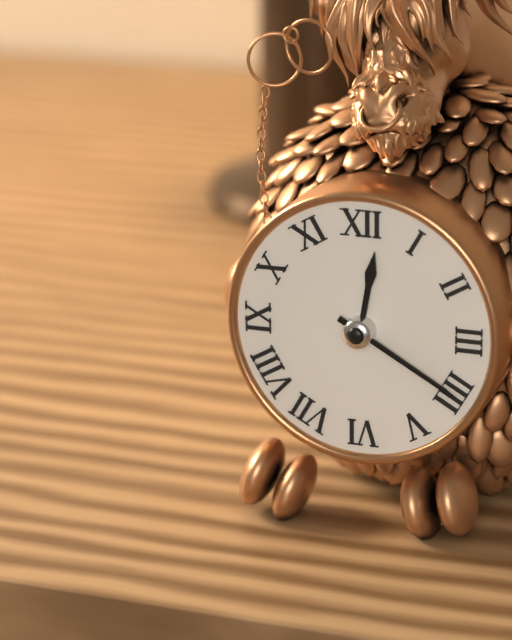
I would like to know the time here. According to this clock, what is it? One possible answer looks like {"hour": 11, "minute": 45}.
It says {"hour": 12, "minute": 20}
